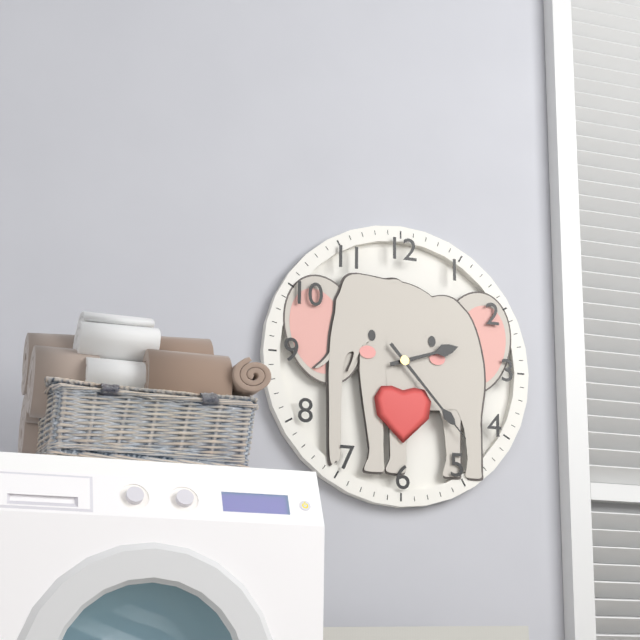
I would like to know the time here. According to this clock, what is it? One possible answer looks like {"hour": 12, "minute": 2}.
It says {"hour": 2, "minute": 23}
